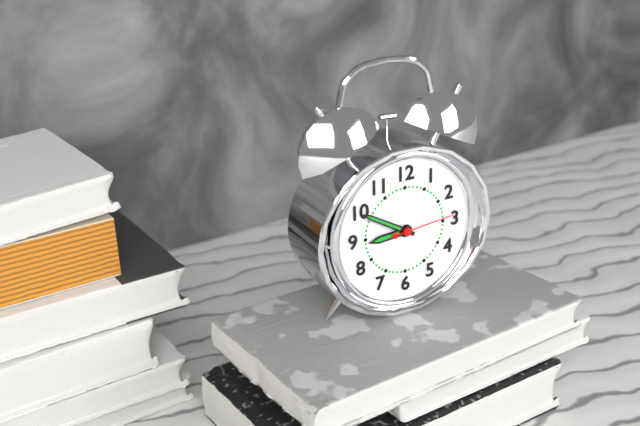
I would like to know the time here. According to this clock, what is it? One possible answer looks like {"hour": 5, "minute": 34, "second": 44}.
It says {"hour": 8, "minute": 50, "second": 14}
